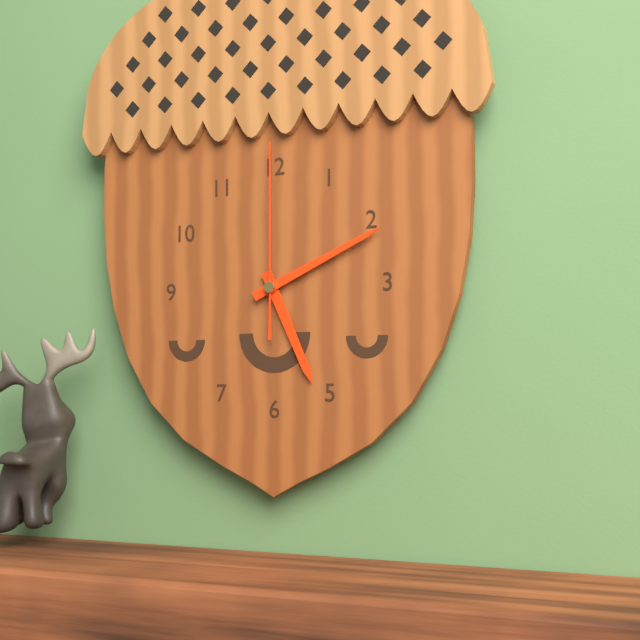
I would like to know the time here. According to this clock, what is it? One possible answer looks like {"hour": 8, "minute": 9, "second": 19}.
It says {"hour": 5, "minute": 11, "second": 0}
